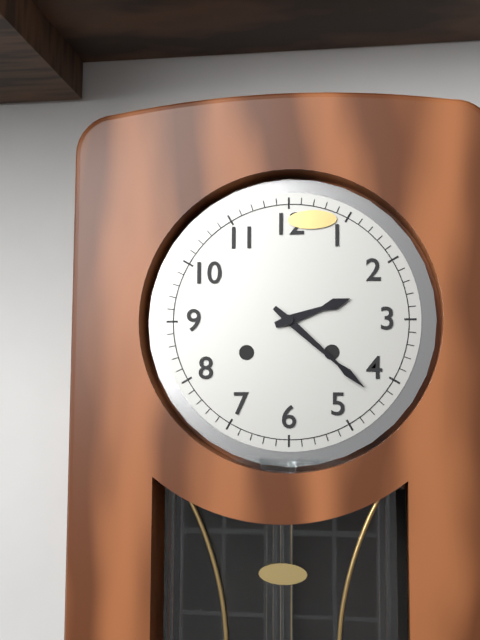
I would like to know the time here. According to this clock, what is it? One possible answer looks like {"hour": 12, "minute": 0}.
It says {"hour": 2, "minute": 22}
